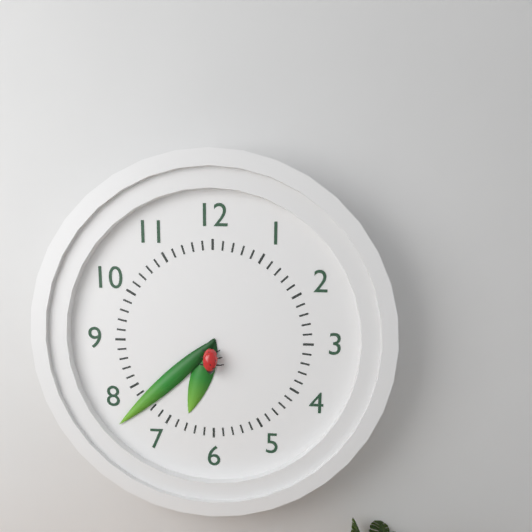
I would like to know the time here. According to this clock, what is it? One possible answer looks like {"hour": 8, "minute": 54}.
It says {"hour": 6, "minute": 38}
